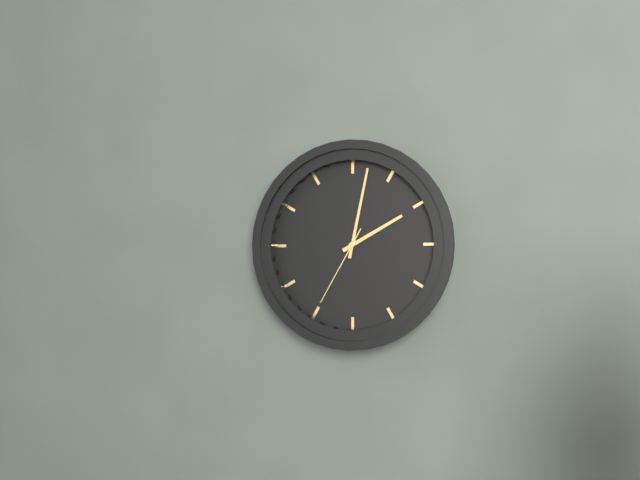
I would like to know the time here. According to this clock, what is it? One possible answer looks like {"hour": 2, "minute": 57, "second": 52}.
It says {"hour": 2, "minute": 2, "second": 35}
